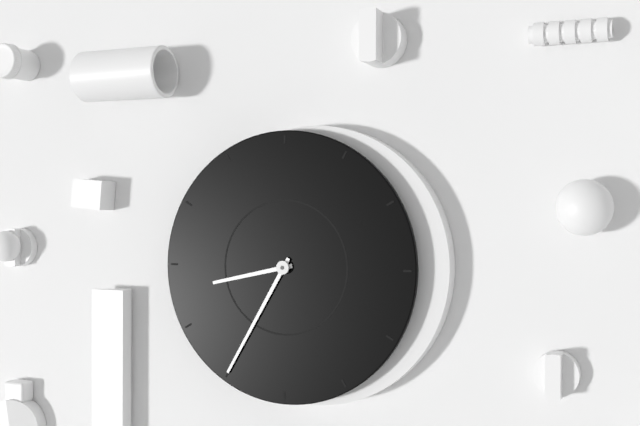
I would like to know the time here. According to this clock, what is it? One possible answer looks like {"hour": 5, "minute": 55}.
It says {"hour": 8, "minute": 35}
